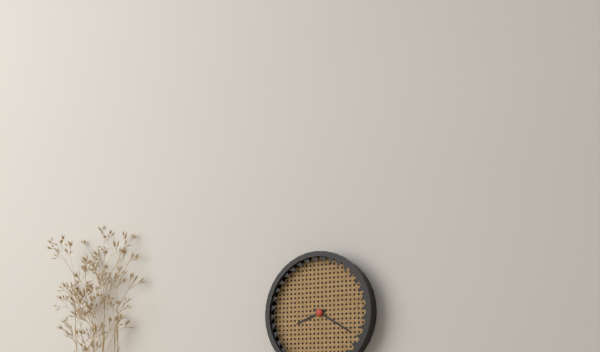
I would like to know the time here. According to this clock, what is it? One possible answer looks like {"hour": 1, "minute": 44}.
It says {"hour": 8, "minute": 20}
